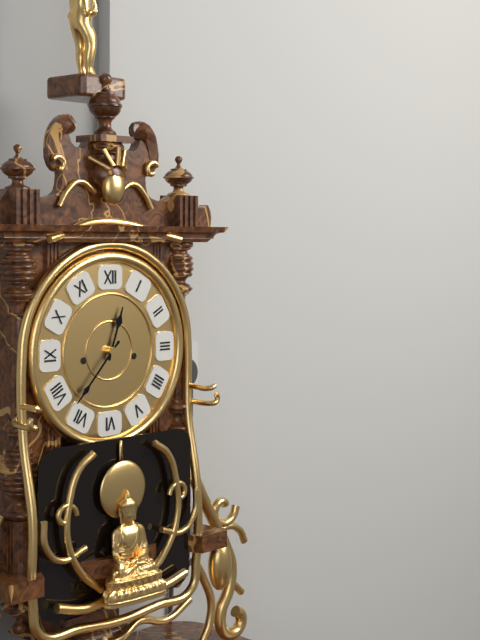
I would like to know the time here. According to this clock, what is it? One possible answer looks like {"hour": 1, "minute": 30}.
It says {"hour": 12, "minute": 37}
